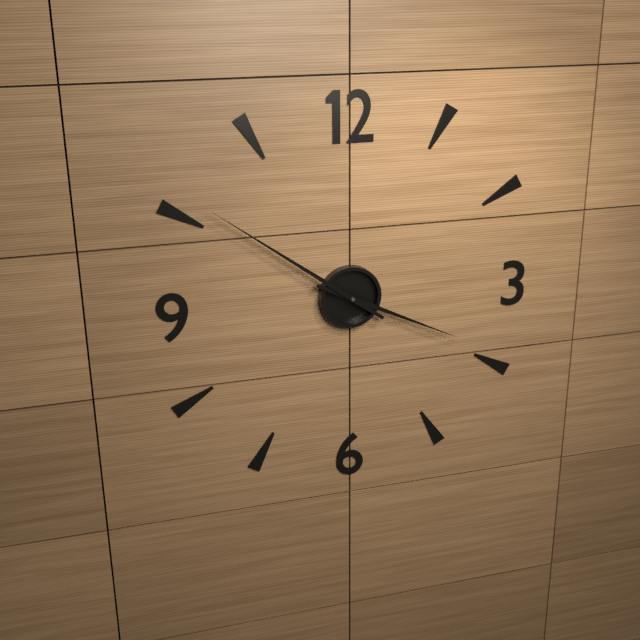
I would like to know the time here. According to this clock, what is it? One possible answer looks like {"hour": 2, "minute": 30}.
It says {"hour": 3, "minute": 51}
